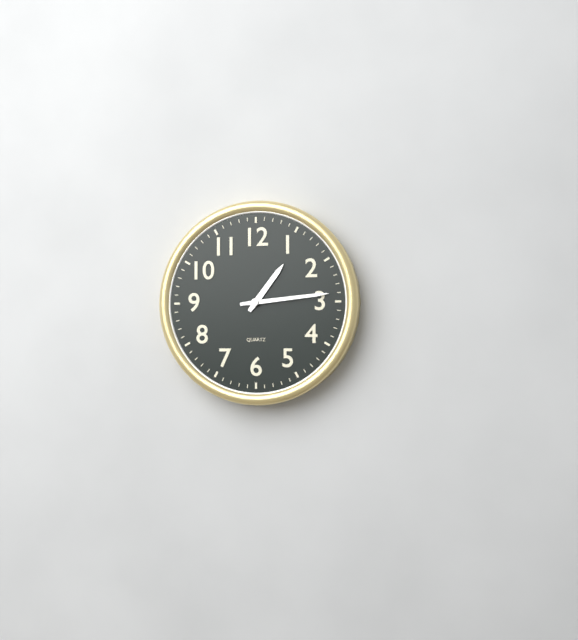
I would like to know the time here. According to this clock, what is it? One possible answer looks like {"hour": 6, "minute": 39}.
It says {"hour": 1, "minute": 14}
